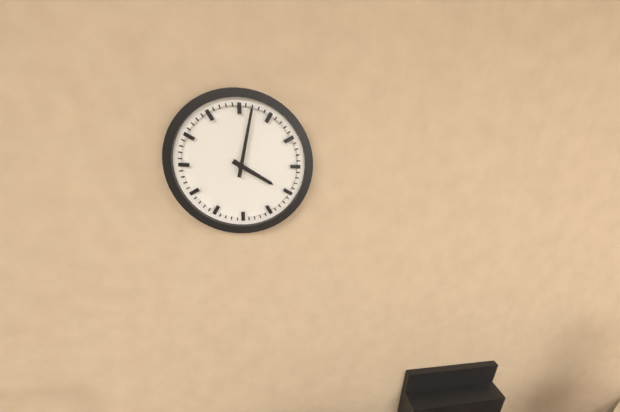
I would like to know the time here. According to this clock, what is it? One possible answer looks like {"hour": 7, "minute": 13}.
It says {"hour": 4, "minute": 2}
